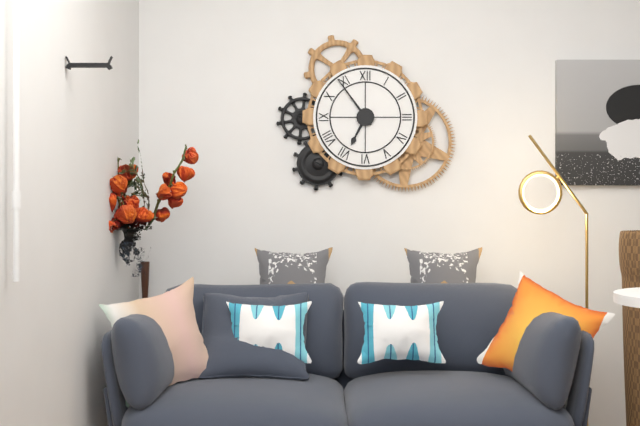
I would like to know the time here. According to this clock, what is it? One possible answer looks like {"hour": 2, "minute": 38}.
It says {"hour": 6, "minute": 54}
